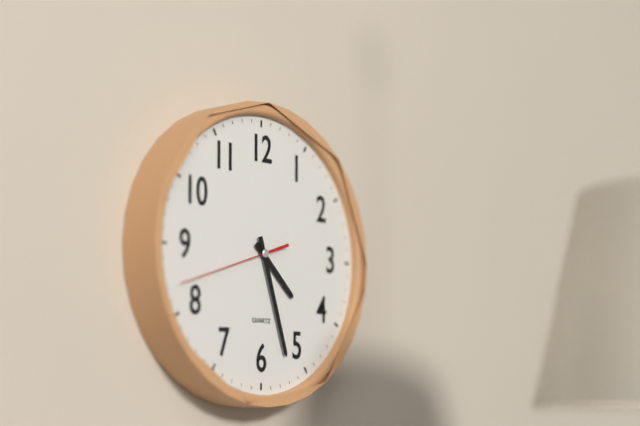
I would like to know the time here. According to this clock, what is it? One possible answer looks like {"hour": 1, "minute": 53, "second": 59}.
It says {"hour": 4, "minute": 27, "second": 42}
